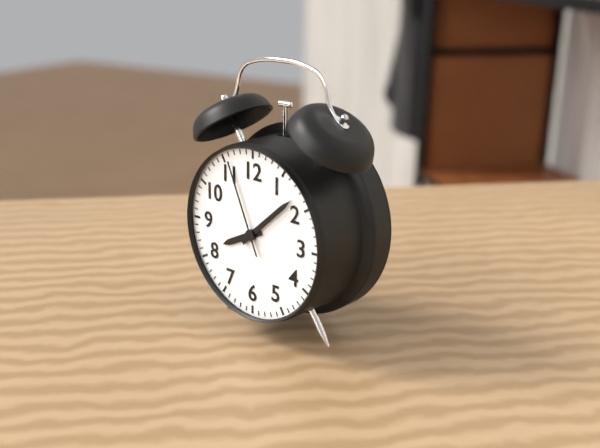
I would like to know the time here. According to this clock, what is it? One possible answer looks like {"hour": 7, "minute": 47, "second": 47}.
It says {"hour": 8, "minute": 8, "second": 56}
